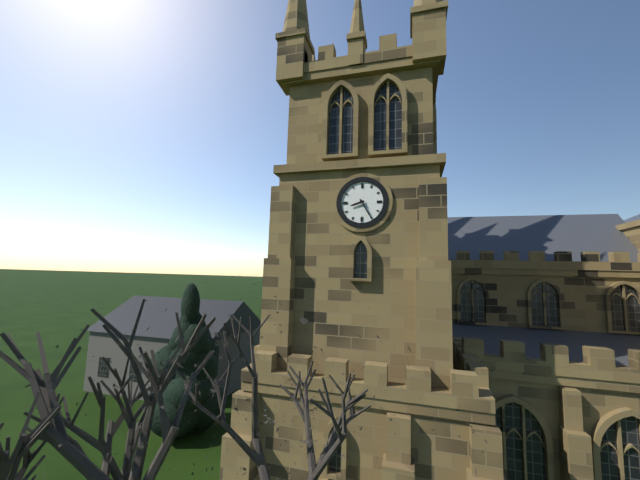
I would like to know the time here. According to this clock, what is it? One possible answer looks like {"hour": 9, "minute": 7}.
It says {"hour": 8, "minute": 25}
